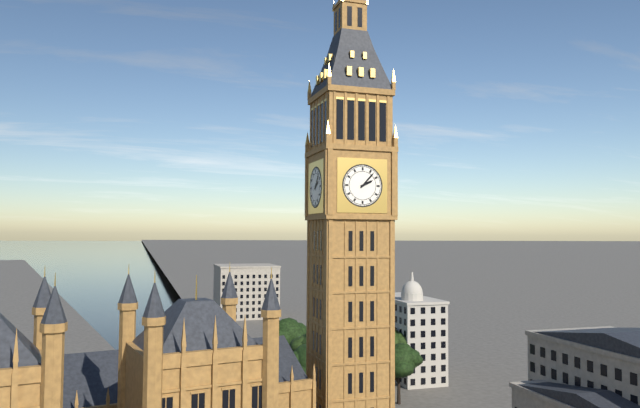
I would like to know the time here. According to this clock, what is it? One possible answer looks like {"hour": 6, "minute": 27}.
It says {"hour": 2, "minute": 7}
